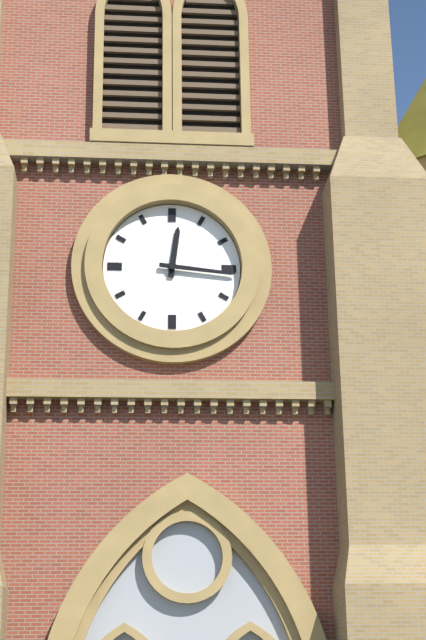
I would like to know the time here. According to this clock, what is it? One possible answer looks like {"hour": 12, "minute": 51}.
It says {"hour": 12, "minute": 16}
